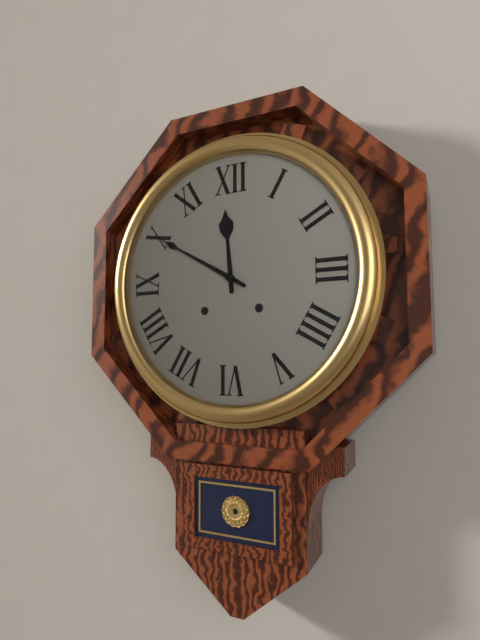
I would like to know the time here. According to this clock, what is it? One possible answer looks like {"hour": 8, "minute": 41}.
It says {"hour": 11, "minute": 50}
